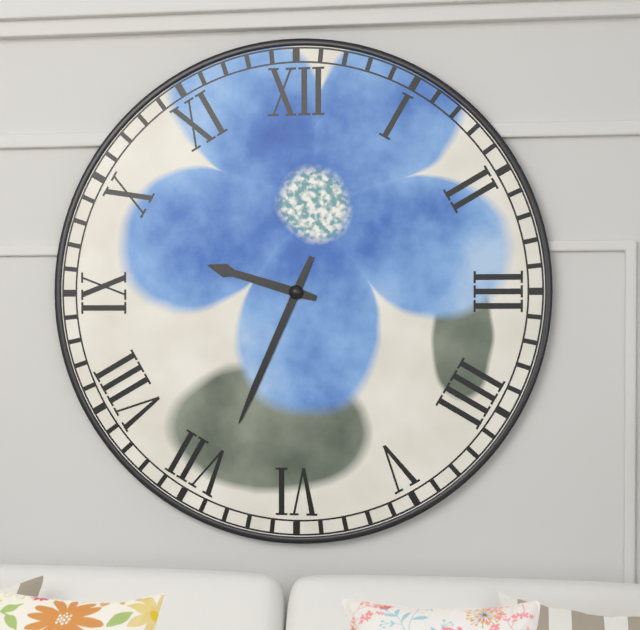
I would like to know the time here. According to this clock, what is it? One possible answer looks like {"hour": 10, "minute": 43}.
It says {"hour": 9, "minute": 34}
